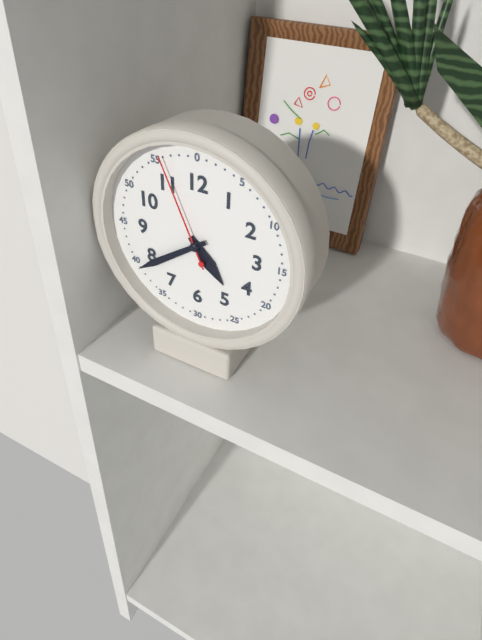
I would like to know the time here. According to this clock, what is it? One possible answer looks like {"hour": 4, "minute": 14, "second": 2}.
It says {"hour": 4, "minute": 39, "second": 56}
